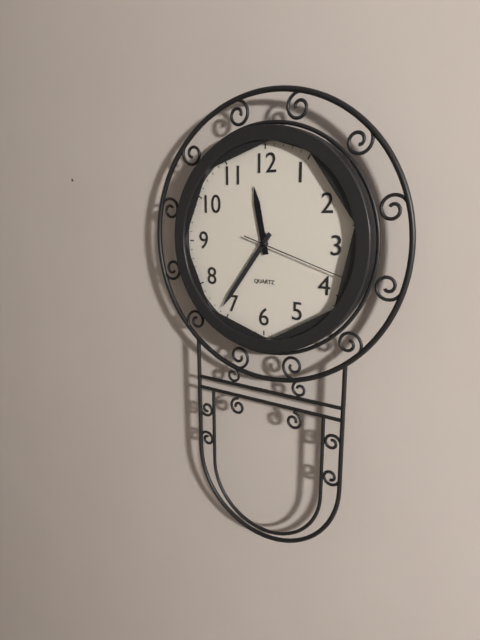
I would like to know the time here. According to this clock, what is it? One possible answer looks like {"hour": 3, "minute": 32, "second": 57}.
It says {"hour": 11, "minute": 36, "second": 18}
